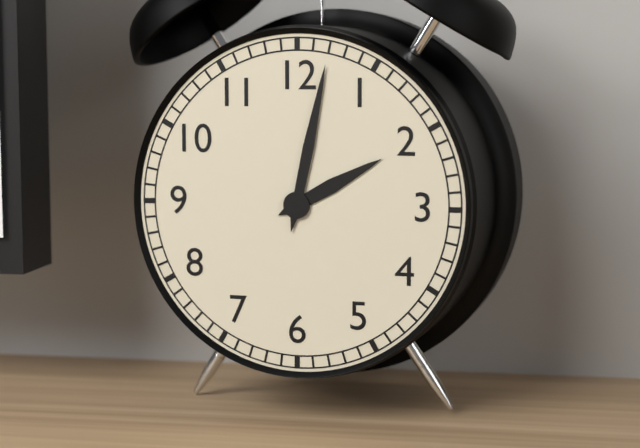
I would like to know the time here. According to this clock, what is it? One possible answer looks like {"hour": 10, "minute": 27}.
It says {"hour": 2, "minute": 2}
